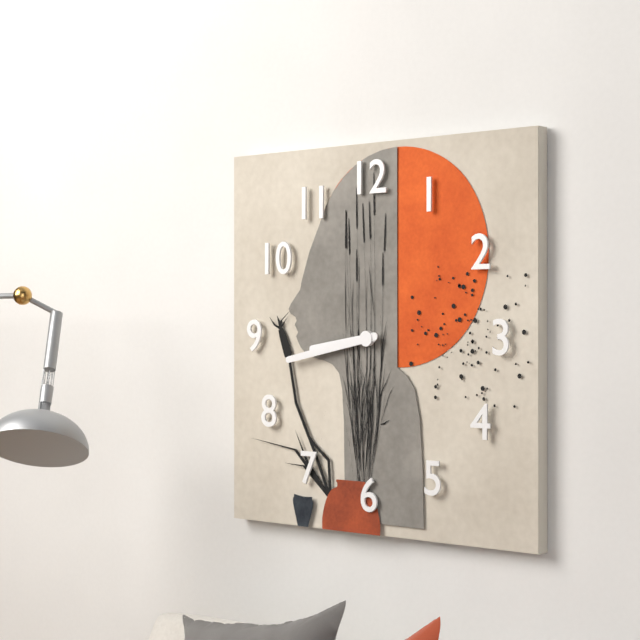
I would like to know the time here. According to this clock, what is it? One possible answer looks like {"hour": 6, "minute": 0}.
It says {"hour": 8, "minute": 43}
